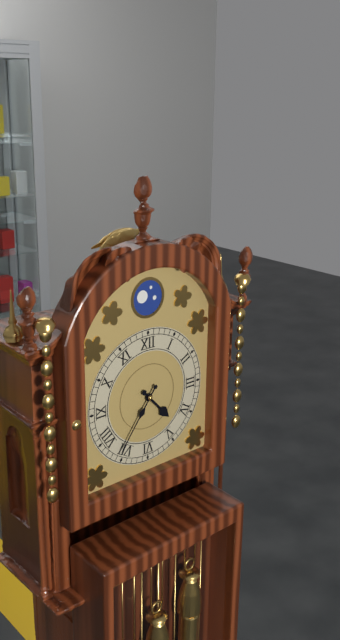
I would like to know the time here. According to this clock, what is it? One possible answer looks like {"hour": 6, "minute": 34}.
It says {"hour": 4, "minute": 36}
